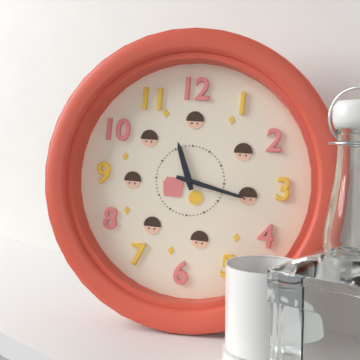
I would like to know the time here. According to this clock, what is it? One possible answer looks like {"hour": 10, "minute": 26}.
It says {"hour": 11, "minute": 17}
